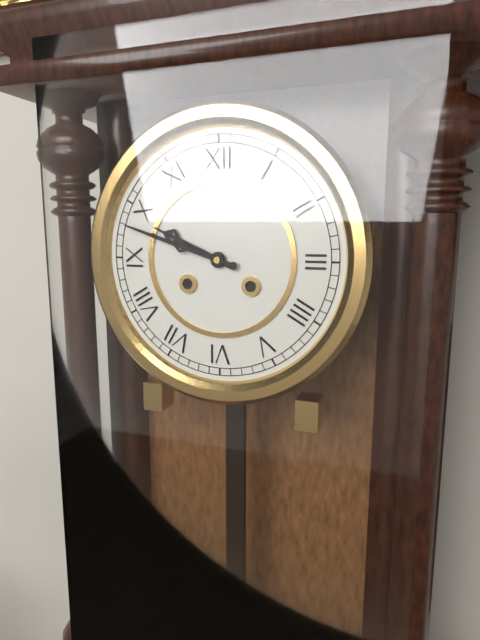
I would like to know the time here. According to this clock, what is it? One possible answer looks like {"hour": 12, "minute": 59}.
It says {"hour": 9, "minute": 48}
